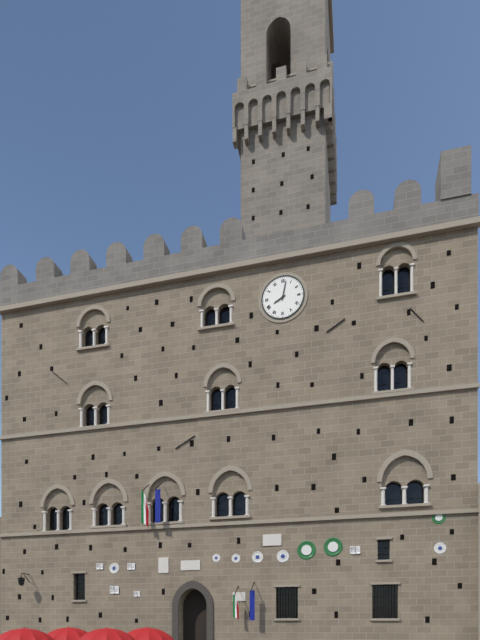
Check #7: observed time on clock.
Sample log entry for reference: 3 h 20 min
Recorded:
8 h 02 min
